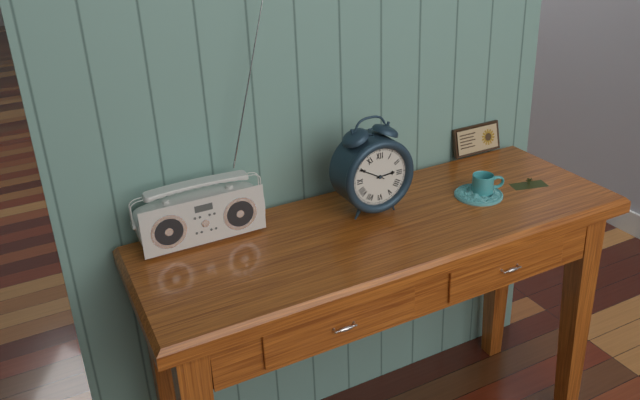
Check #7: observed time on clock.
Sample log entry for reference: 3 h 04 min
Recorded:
2 h 50 min
